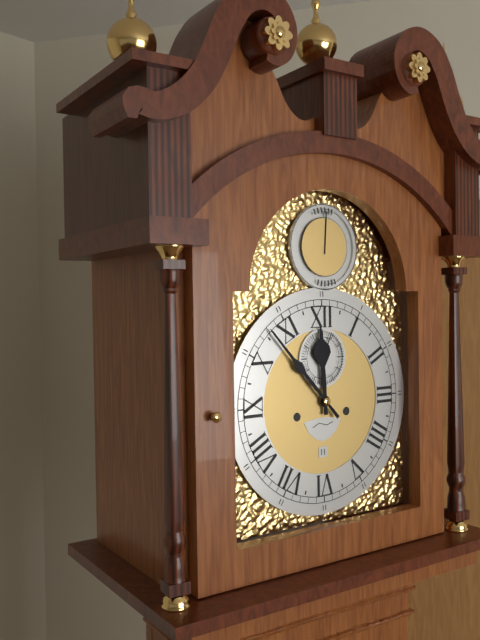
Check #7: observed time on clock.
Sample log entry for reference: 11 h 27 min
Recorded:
11 h 53 min
